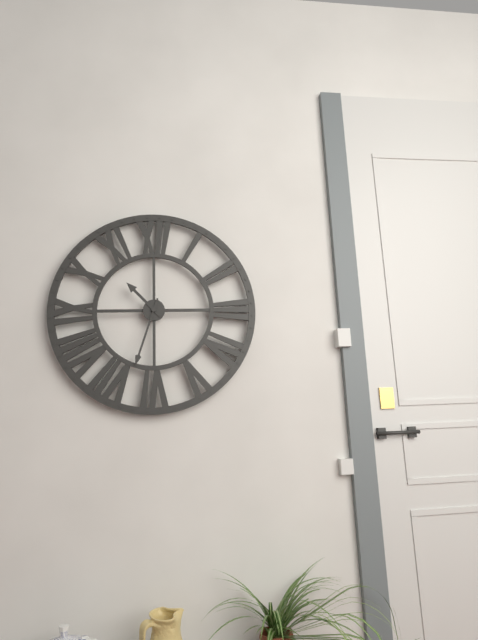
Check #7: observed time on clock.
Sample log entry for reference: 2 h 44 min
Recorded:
10 h 33 min
